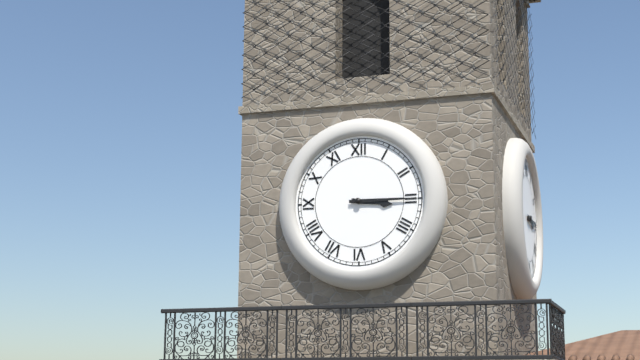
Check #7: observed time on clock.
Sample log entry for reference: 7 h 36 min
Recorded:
3 h 15 min
